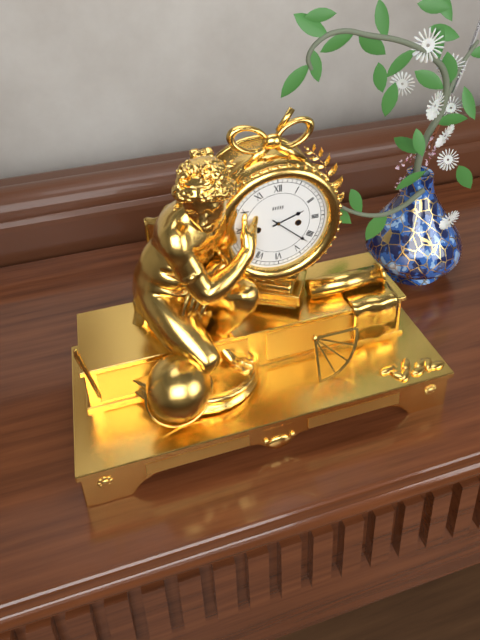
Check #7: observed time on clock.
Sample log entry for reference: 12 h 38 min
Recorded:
2 h 22 min
